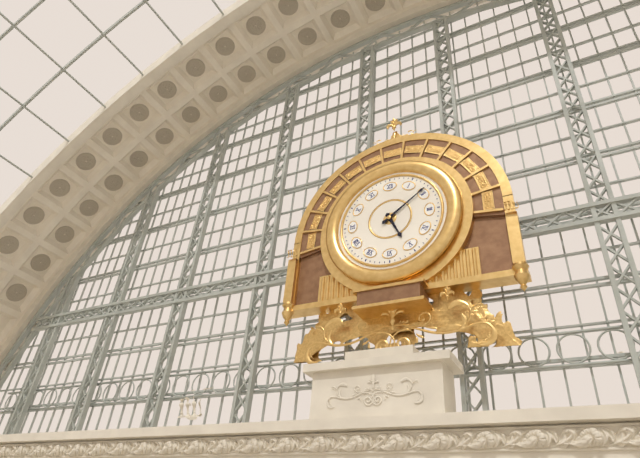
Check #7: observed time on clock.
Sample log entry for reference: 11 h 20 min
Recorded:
5 h 09 min
